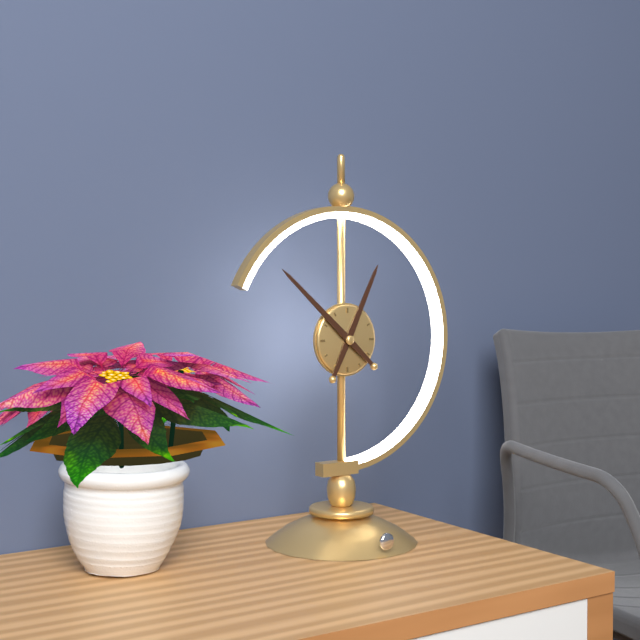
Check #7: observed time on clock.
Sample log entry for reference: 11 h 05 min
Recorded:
12 h 52 min
